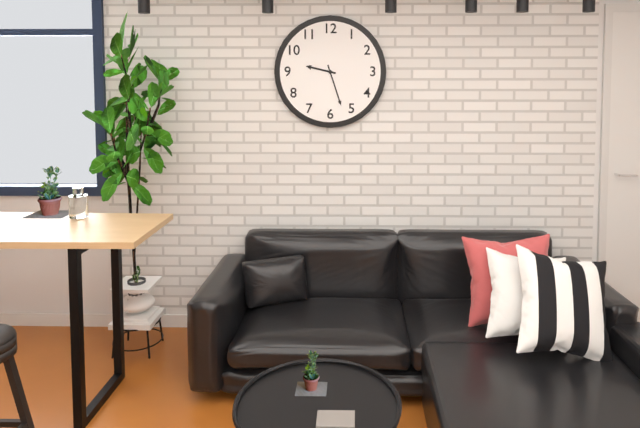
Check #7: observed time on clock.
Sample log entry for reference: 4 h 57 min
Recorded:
9 h 27 min
